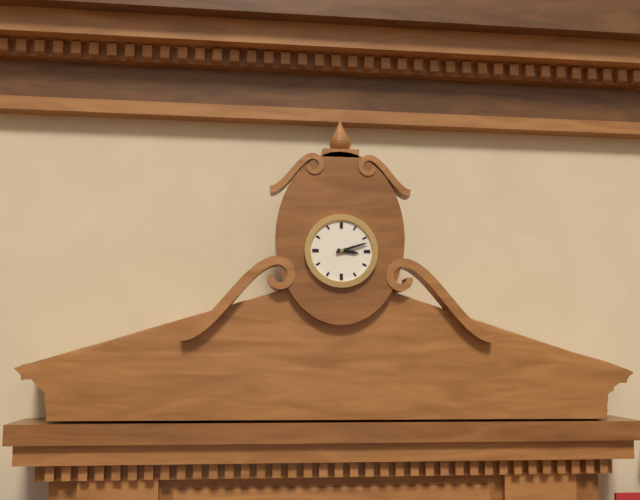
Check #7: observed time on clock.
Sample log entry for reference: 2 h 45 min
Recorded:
3 h 12 min
